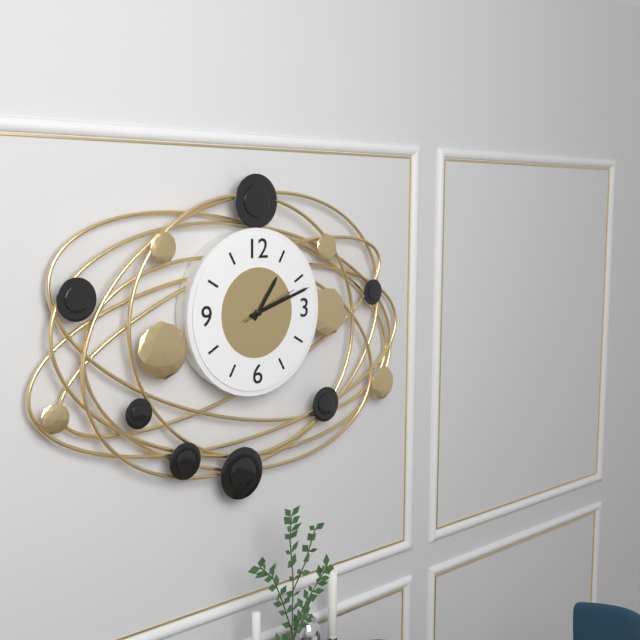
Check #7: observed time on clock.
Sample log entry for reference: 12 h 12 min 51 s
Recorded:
1 h 12 min 11 s
